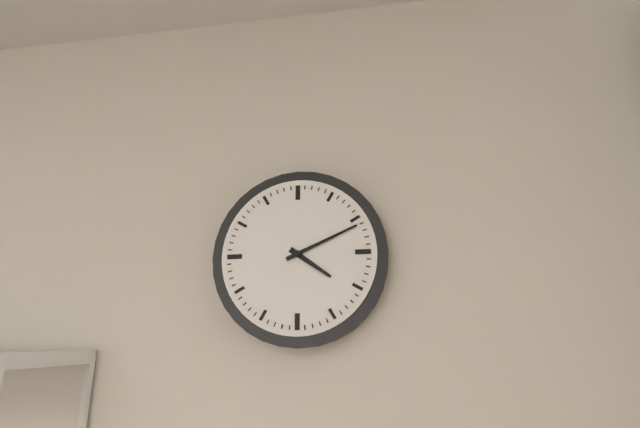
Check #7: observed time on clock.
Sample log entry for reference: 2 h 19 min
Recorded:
4 h 11 min
